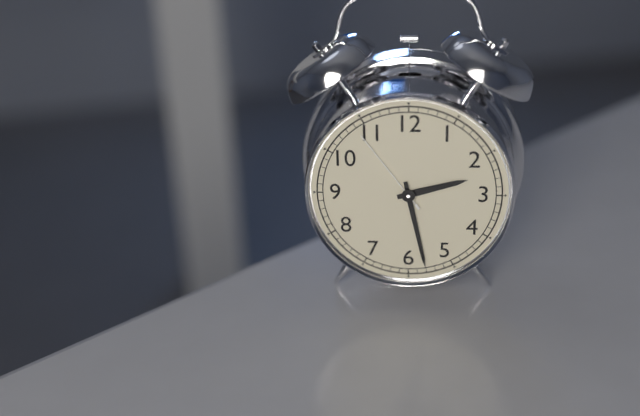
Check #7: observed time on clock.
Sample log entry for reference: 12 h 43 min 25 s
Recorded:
2 h 28 min 54 s
